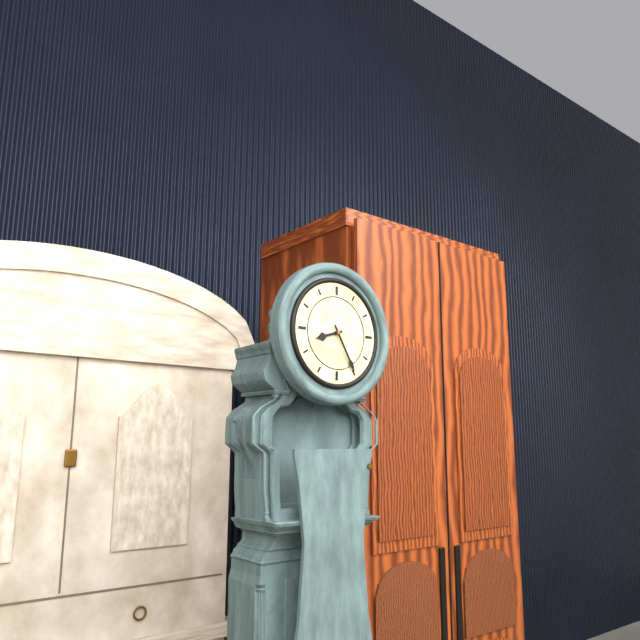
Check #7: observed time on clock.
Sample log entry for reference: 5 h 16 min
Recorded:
8 h 25 min
